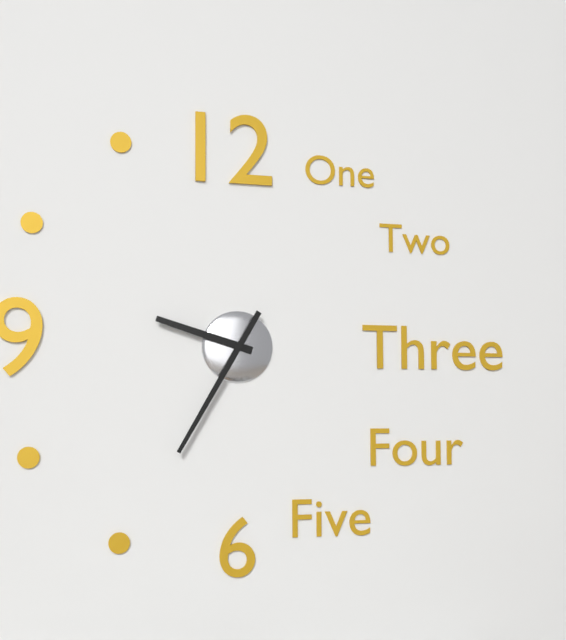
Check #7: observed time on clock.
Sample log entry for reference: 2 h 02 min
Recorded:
9 h 35 min
